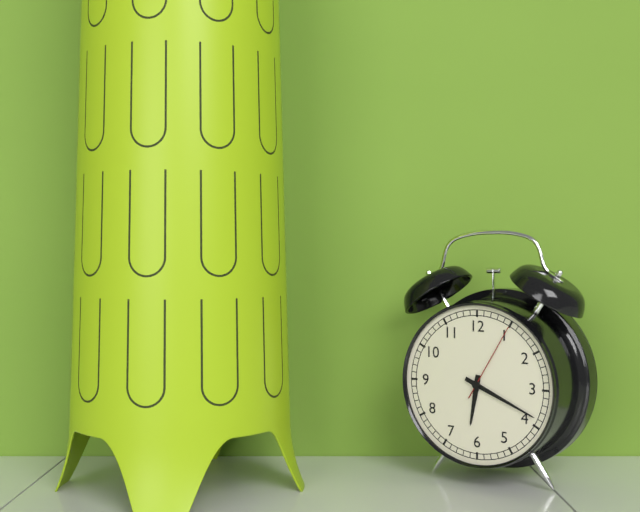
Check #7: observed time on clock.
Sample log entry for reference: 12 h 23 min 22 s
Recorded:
6 h 19 min 05 s
